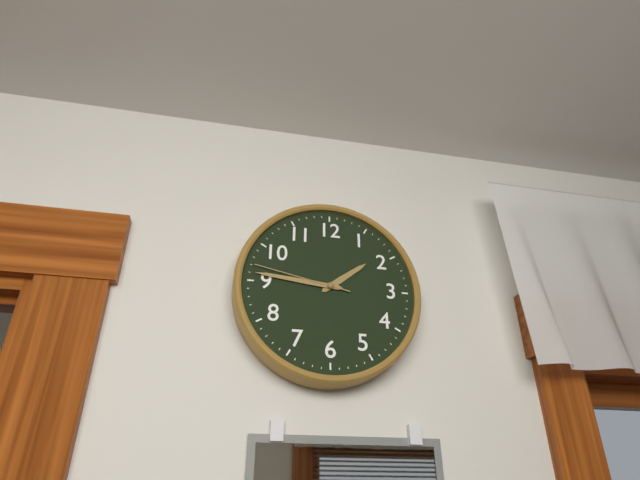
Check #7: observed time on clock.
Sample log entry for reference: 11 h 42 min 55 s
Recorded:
1 h 46 min 47 s
